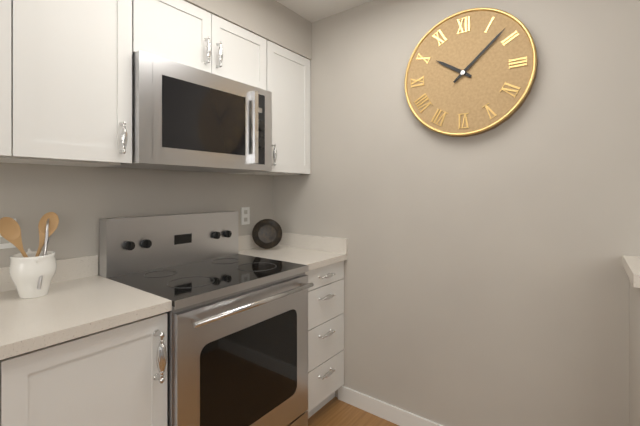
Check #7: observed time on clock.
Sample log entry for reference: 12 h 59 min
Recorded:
10 h 08 min
